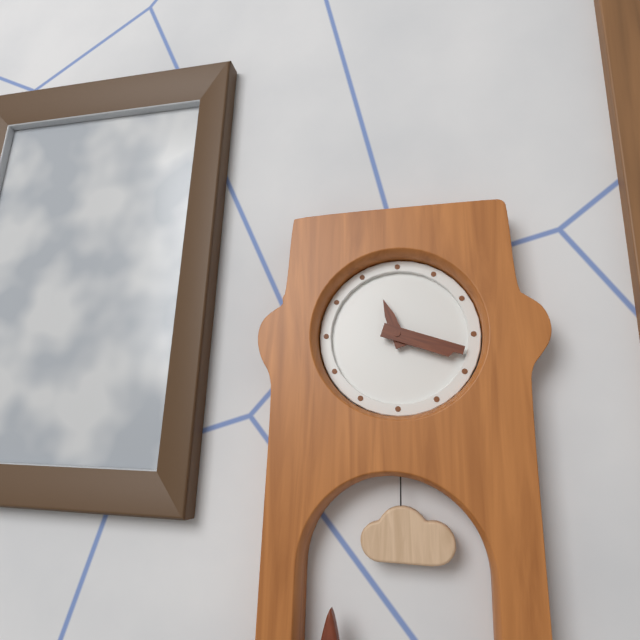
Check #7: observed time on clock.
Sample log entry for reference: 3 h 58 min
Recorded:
11 h 18 min
